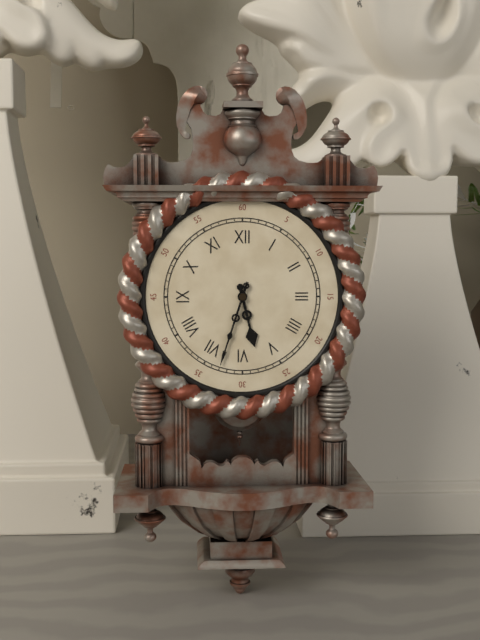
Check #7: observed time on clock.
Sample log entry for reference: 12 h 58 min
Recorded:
5 h 33 min
